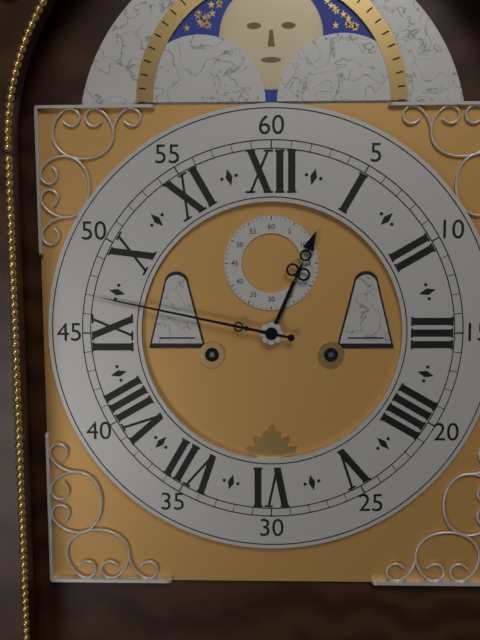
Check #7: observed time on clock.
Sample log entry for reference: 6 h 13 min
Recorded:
12 h 47 min
